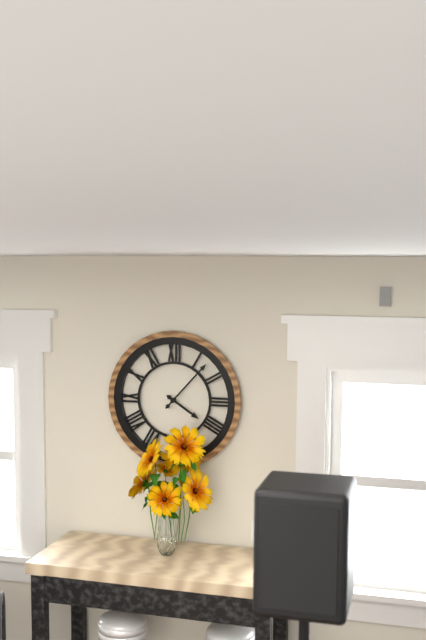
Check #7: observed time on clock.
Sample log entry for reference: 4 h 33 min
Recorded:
4 h 07 min
